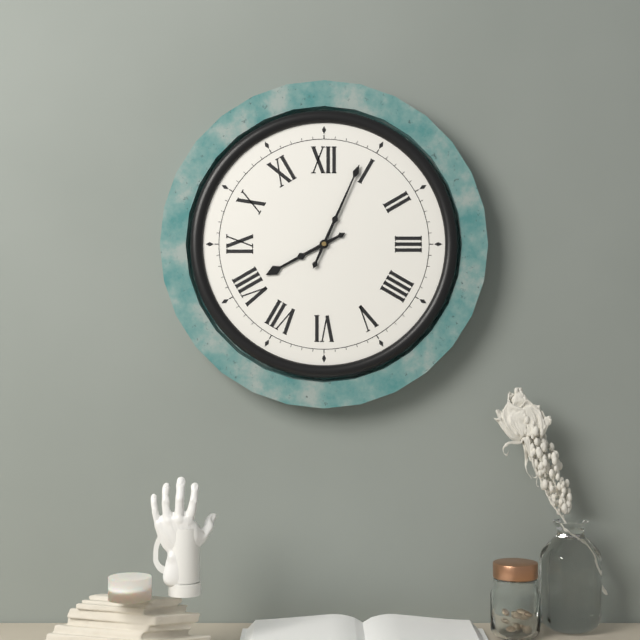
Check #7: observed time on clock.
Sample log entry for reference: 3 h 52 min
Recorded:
8 h 04 min
